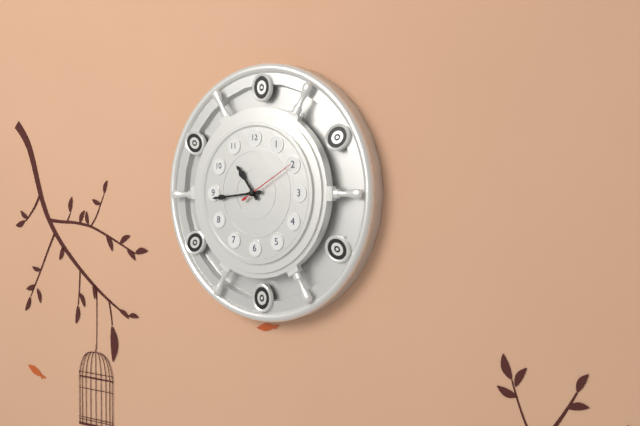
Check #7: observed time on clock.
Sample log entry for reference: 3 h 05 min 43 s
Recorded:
10 h 44 min 10 s
